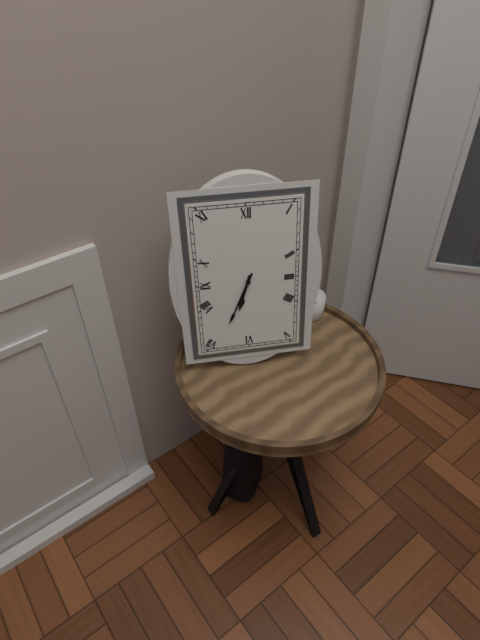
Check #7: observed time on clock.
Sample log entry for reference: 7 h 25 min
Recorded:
6 h 34 min
